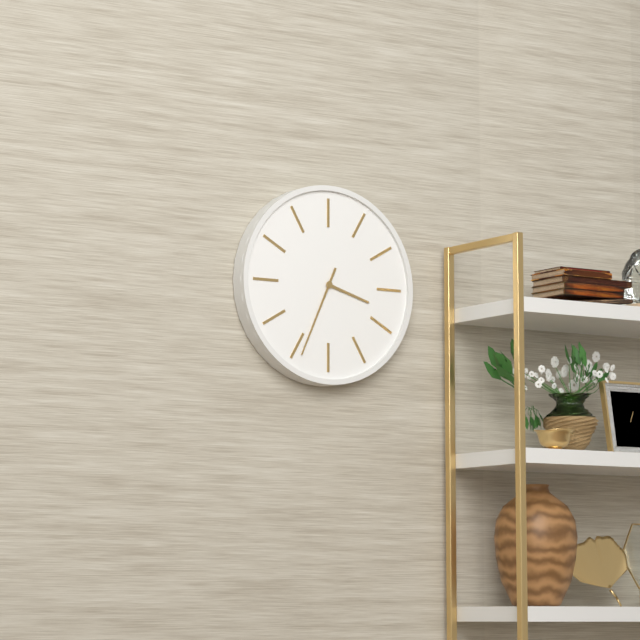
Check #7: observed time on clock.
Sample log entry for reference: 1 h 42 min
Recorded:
3 h 34 min
